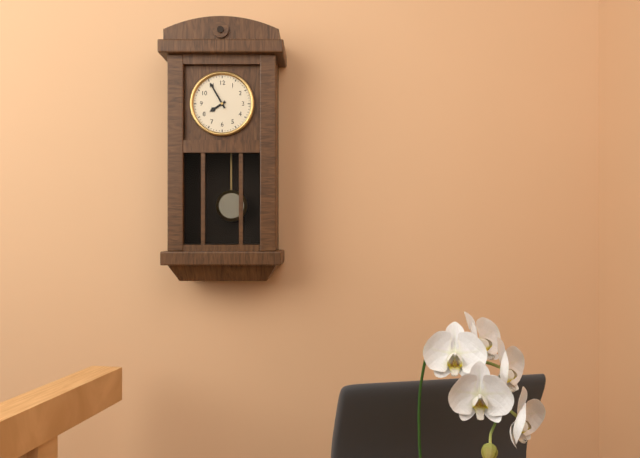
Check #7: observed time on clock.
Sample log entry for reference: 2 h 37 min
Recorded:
7 h 55 min
